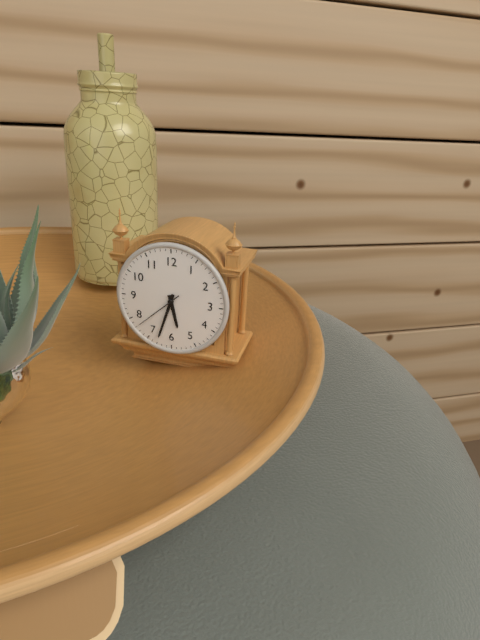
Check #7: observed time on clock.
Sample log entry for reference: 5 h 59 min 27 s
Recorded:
5 h 33 min 38 s
